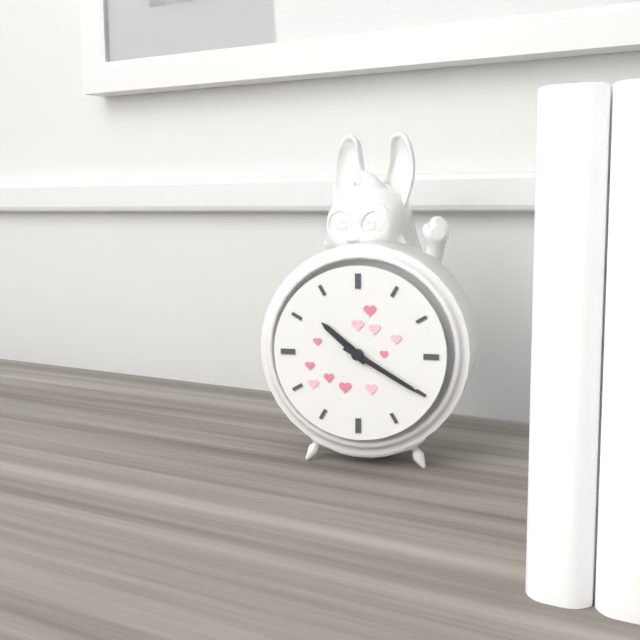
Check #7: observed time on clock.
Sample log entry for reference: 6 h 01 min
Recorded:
10 h 20 min
